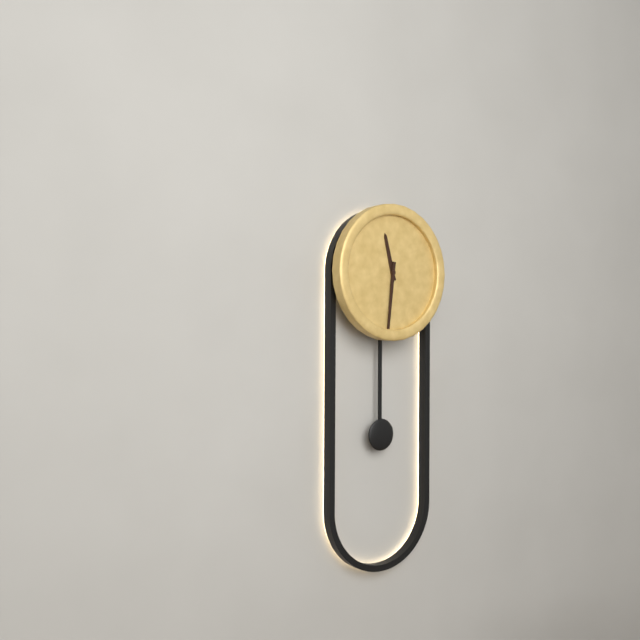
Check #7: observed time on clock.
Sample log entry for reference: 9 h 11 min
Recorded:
11 h 31 min
